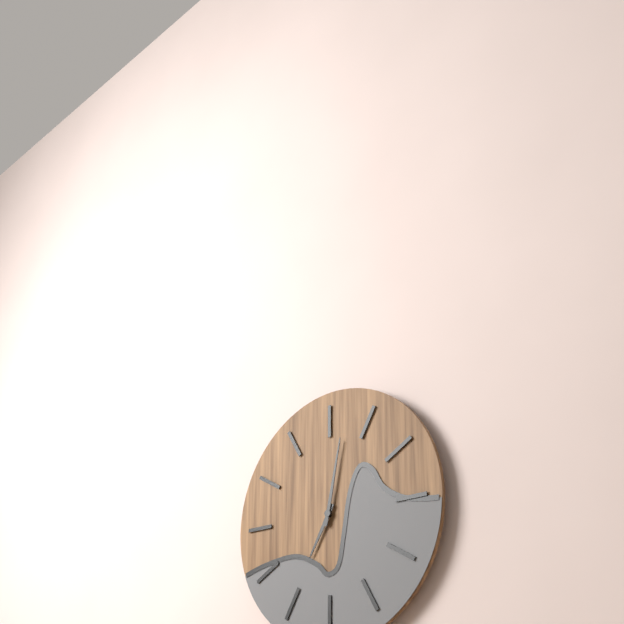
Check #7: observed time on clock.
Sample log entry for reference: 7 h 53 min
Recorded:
7 h 02 min
